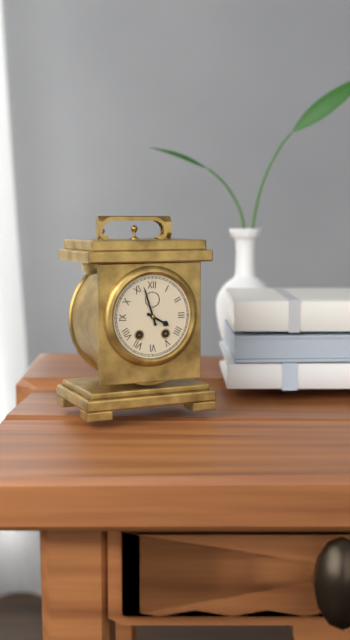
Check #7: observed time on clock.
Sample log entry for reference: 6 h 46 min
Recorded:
3 h 57 min
